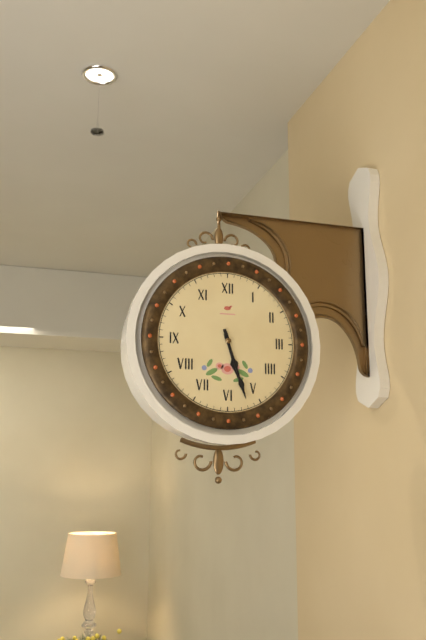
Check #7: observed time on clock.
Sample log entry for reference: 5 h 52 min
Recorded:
5 h 27 min
